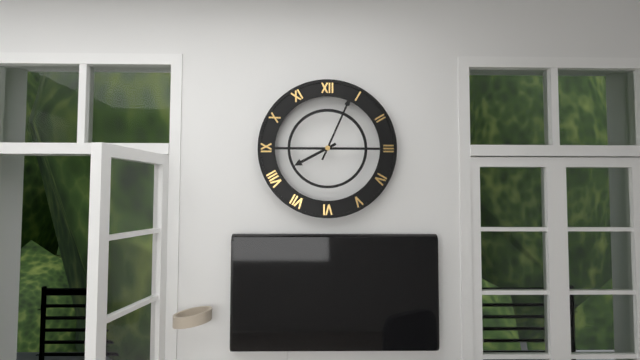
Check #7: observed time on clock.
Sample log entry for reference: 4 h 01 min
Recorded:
8 h 04 min
